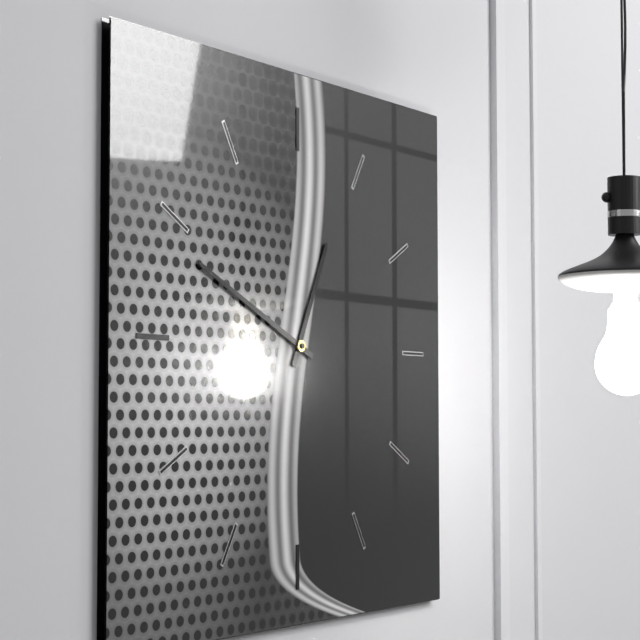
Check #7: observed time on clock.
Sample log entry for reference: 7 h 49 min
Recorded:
12 h 49 min
